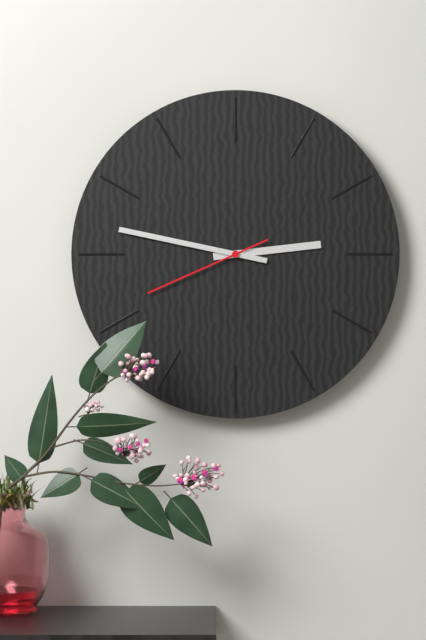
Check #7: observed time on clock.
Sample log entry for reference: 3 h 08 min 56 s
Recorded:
2 h 47 min 41 s
